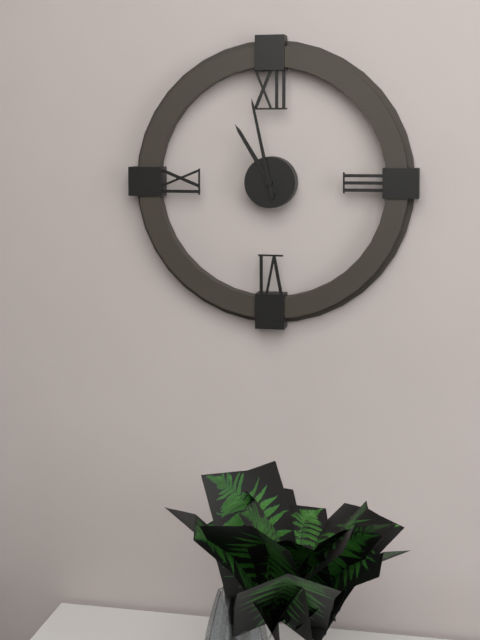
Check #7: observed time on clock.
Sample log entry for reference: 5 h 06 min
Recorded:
10 h 58 min
